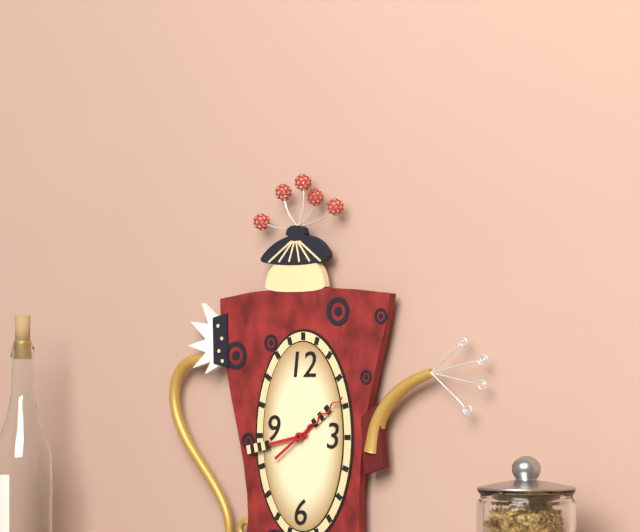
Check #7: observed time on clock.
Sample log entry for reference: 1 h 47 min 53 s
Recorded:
1 h 43 min 09 s
